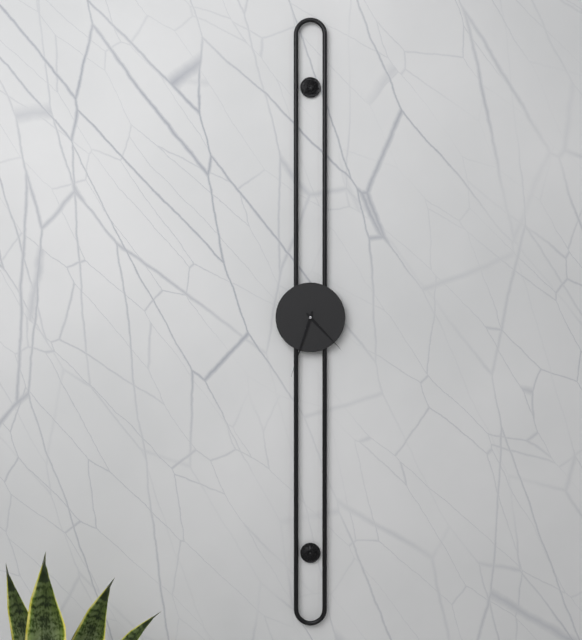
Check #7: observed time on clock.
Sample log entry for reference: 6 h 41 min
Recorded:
4 h 33 min
